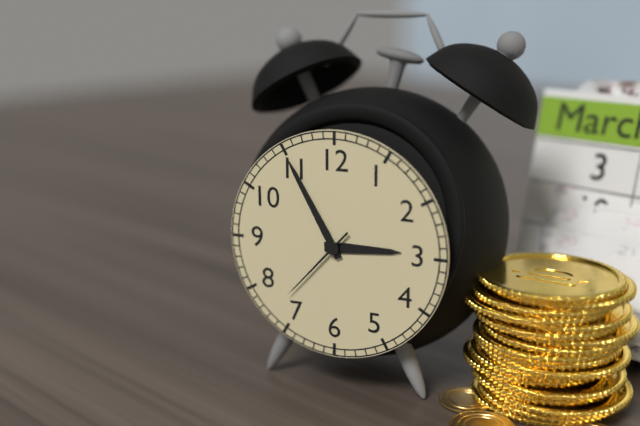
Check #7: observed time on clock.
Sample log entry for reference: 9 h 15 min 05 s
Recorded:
2 h 55 min 37 s
